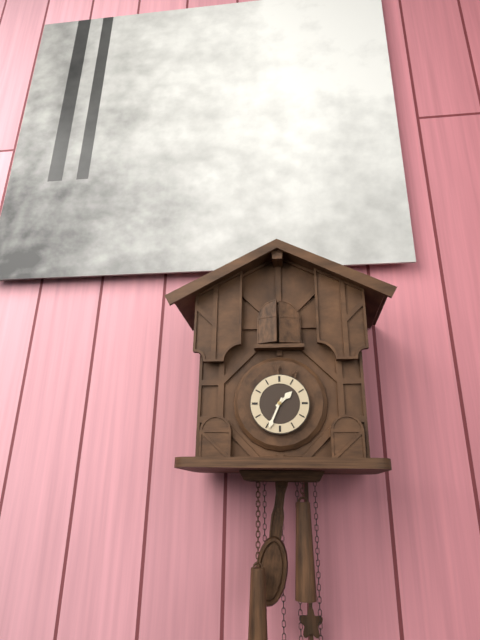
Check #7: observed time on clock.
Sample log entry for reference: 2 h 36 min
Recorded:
1 h 34 min
